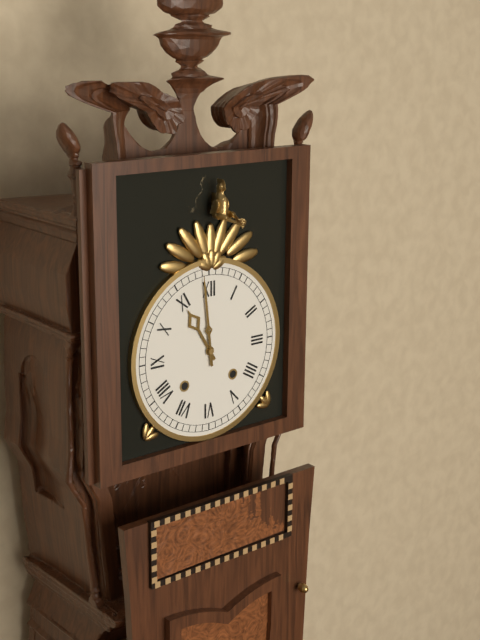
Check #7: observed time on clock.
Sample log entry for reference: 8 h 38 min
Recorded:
10 h 59 min
